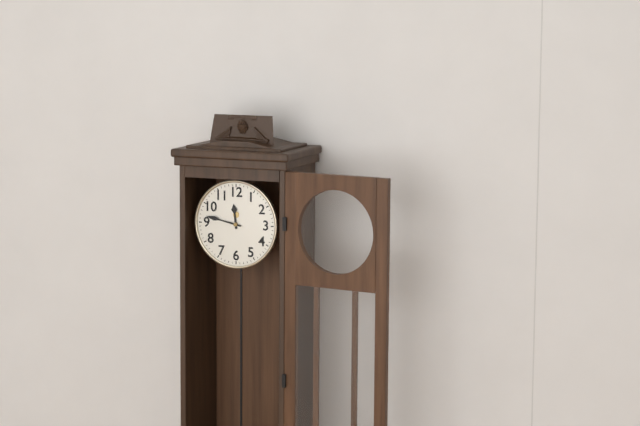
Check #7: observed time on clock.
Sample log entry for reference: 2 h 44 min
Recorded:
11 h 47 min
